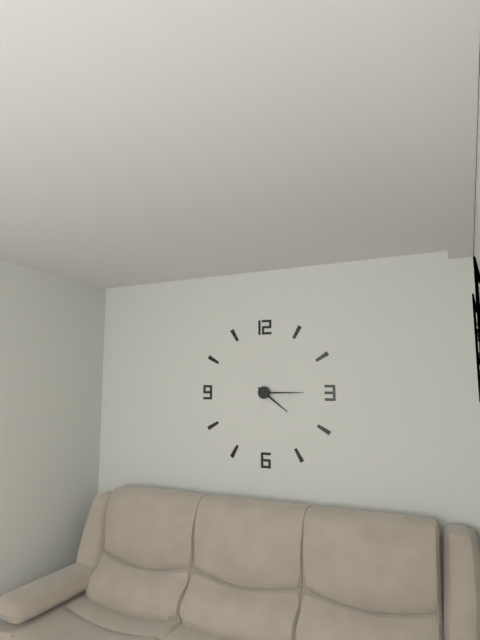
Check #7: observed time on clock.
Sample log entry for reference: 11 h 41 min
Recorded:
4 h 15 min
